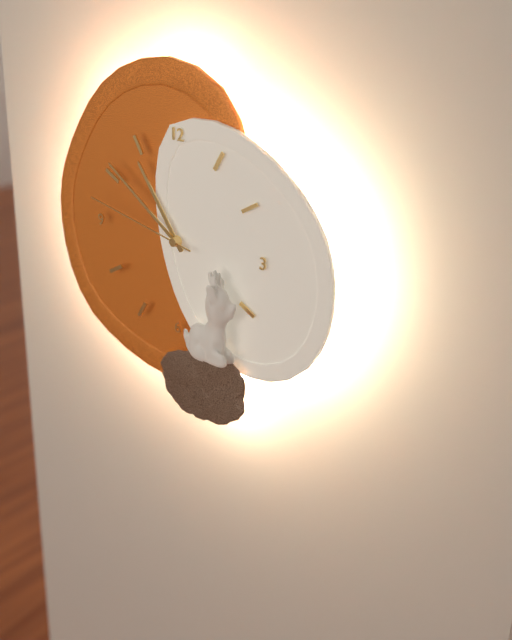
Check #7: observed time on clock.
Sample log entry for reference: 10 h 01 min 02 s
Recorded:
10 h 51 min 47 s
